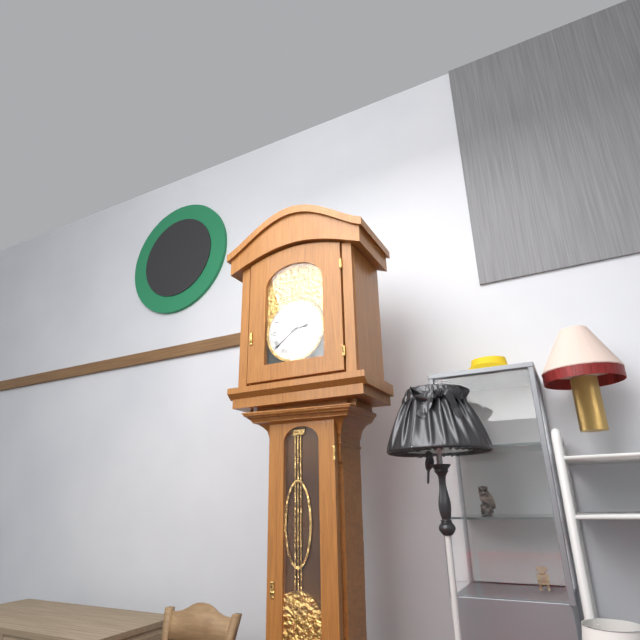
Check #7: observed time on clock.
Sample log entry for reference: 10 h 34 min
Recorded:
2 h 39 min
